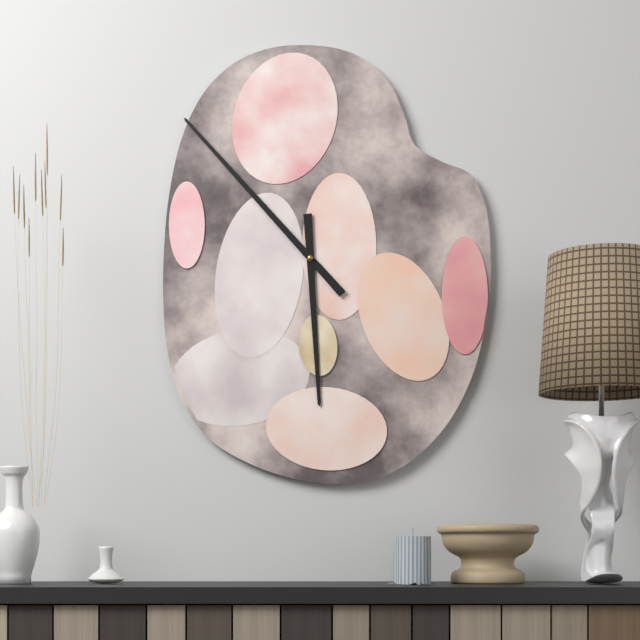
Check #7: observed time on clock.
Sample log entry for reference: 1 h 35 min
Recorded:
5 h 53 min
